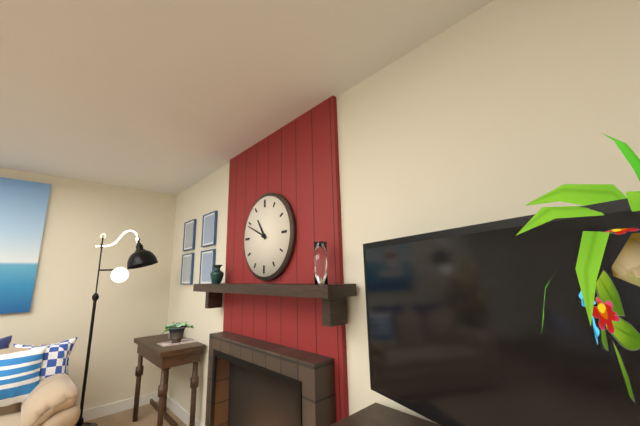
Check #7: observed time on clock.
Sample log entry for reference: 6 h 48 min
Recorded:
10 h 49 min
